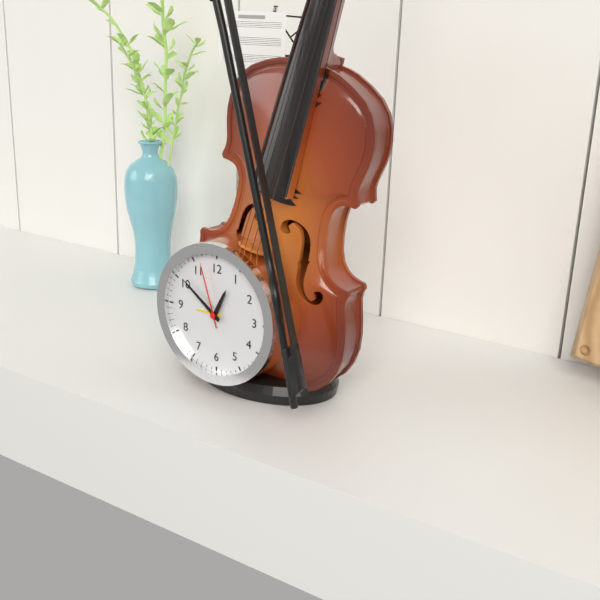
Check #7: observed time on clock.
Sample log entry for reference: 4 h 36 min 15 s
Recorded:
12 h 51 min 57 s
